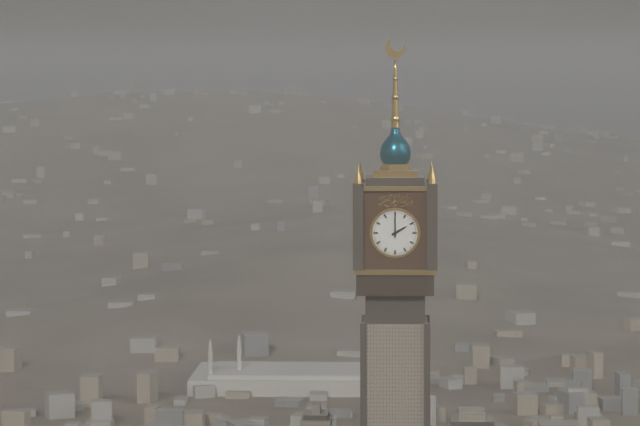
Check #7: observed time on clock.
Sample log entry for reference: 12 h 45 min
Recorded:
2 h 00 min
